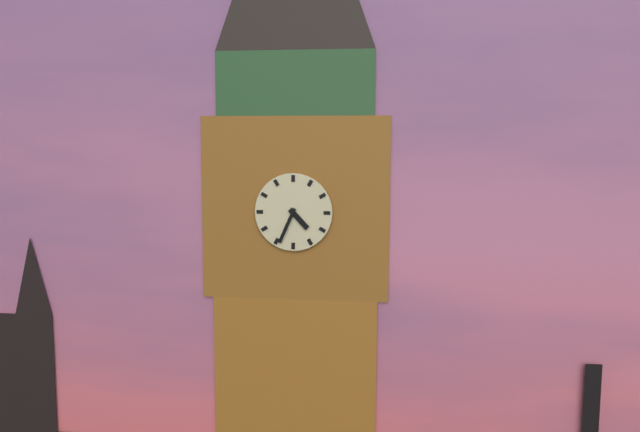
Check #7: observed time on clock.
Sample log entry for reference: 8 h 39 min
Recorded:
4 h 34 min
